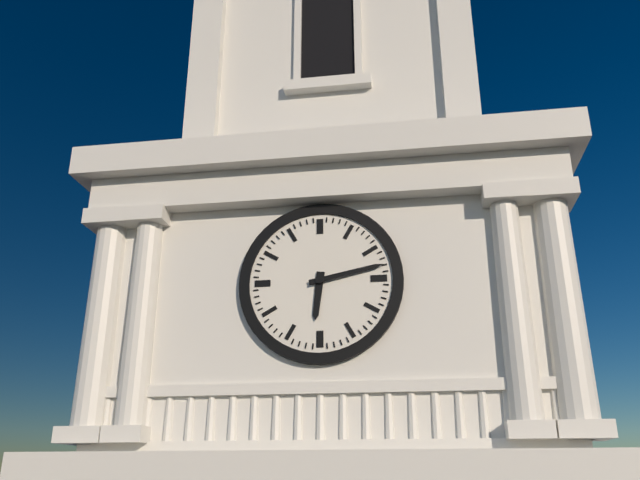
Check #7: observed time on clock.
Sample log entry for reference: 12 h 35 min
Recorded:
6 h 13 min
